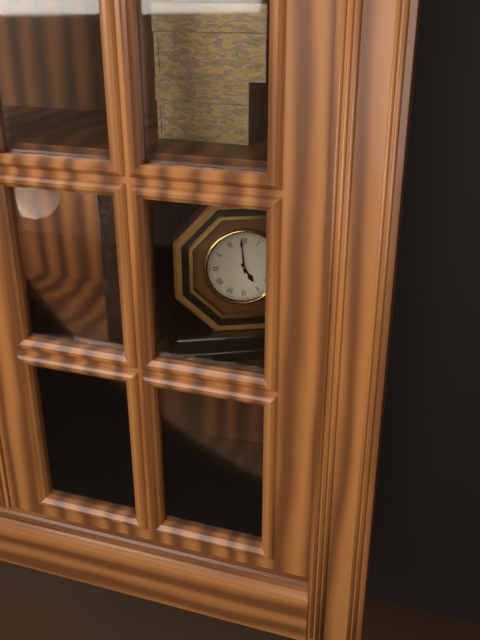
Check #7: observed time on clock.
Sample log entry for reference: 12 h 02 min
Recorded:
4 h 59 min
